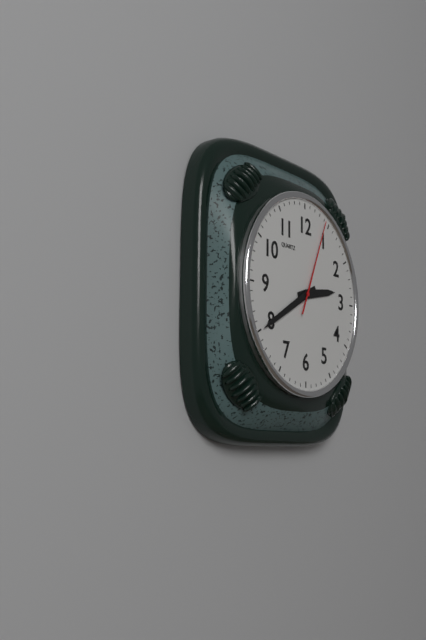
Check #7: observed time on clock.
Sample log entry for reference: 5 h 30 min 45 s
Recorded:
2 h 40 min 04 s
